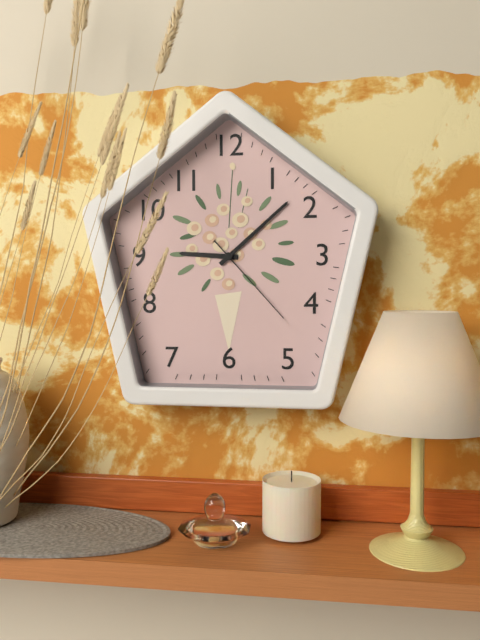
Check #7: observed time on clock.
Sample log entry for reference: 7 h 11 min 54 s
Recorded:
9 h 08 min 23 s
